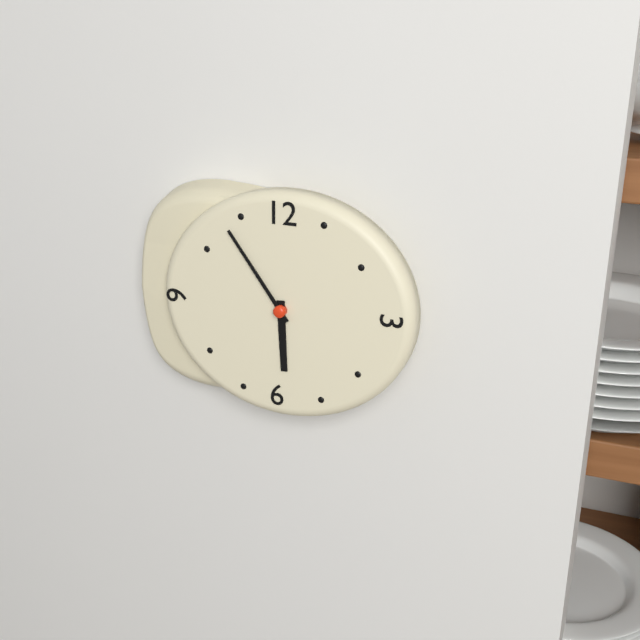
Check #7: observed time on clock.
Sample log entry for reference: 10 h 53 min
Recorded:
5 h 54 min
